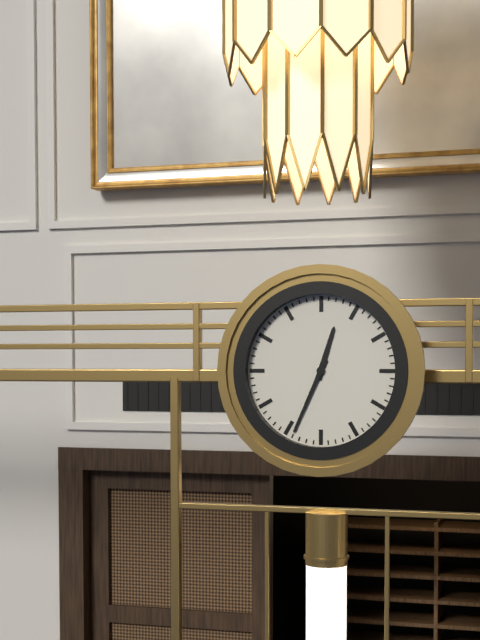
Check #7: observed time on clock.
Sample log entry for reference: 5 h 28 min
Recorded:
12 h 34 min
